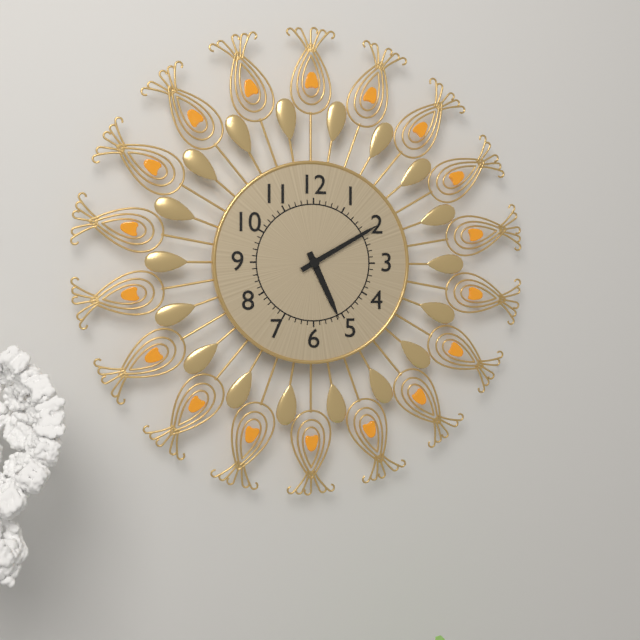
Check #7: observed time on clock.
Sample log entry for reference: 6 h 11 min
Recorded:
5 h 10 min
